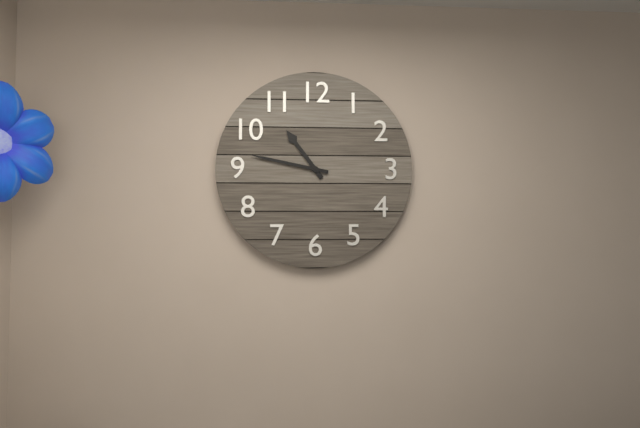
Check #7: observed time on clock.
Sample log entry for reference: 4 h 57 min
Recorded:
10 h 47 min
